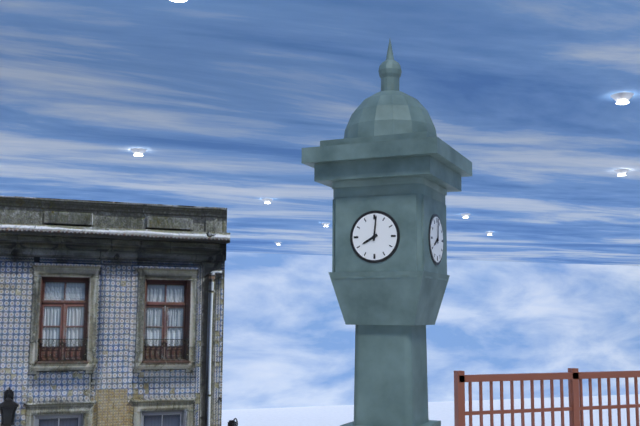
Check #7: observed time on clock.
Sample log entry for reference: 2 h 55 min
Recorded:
8 h 01 min
